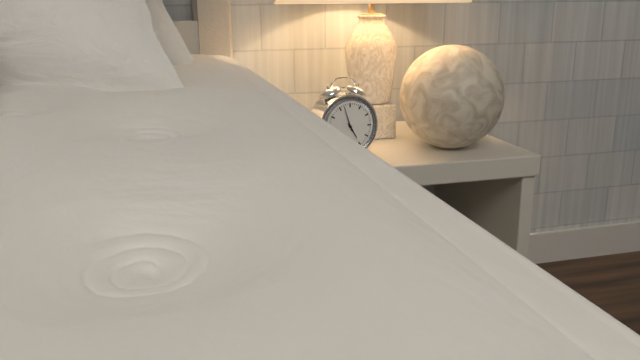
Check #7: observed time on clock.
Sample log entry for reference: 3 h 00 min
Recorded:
4 h 57 min
